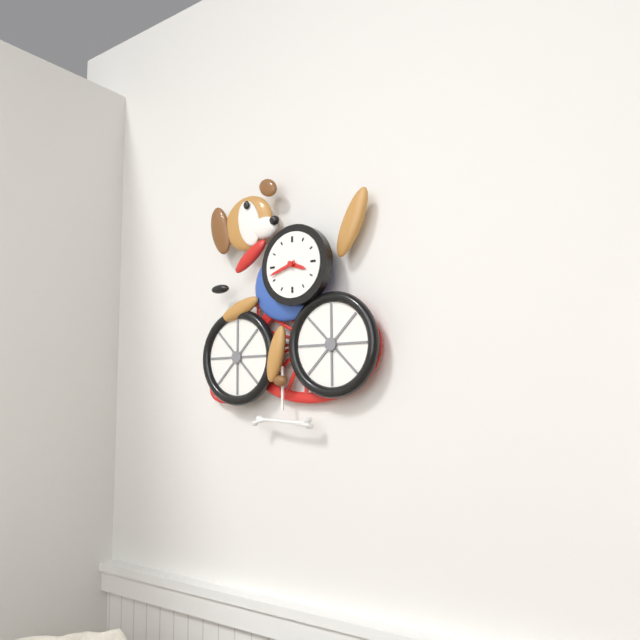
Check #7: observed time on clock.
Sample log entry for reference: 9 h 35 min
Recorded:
3 h 42 min
